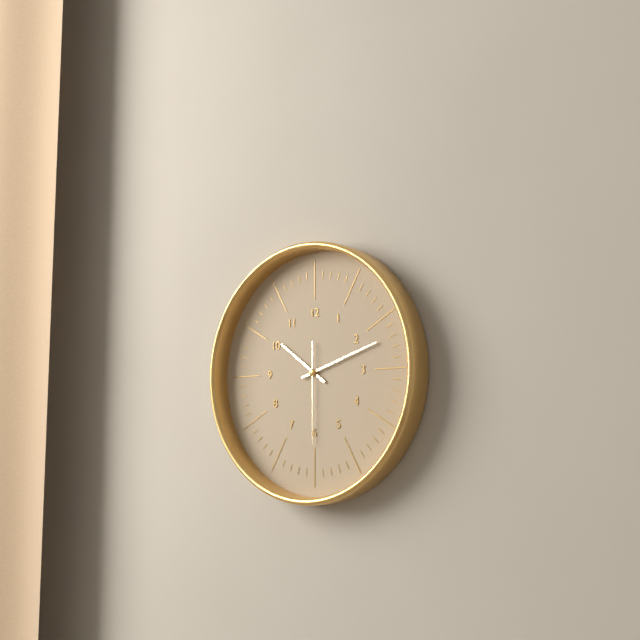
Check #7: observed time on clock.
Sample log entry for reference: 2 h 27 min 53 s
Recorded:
10 h 12 min 30 s
